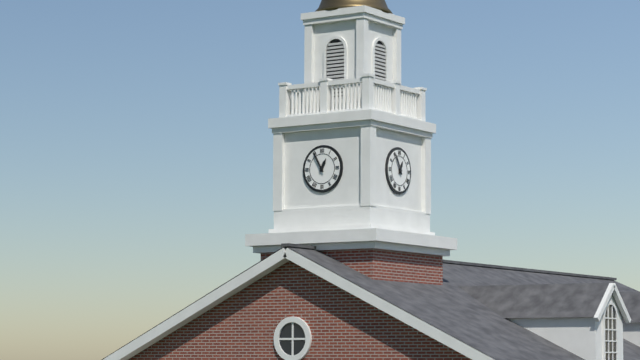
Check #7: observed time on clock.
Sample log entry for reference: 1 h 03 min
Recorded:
12 h 55 min
